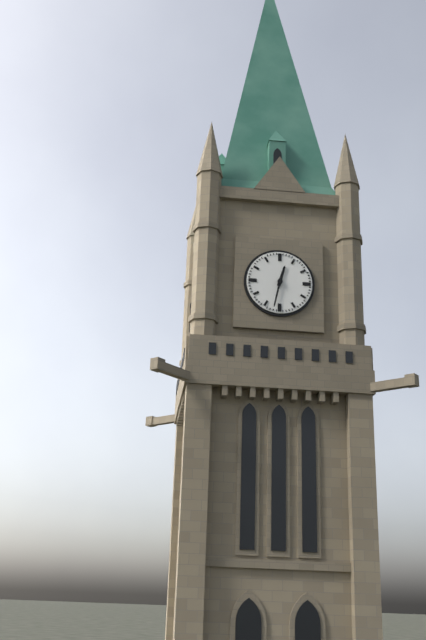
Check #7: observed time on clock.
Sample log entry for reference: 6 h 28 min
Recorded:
12 h 32 min
